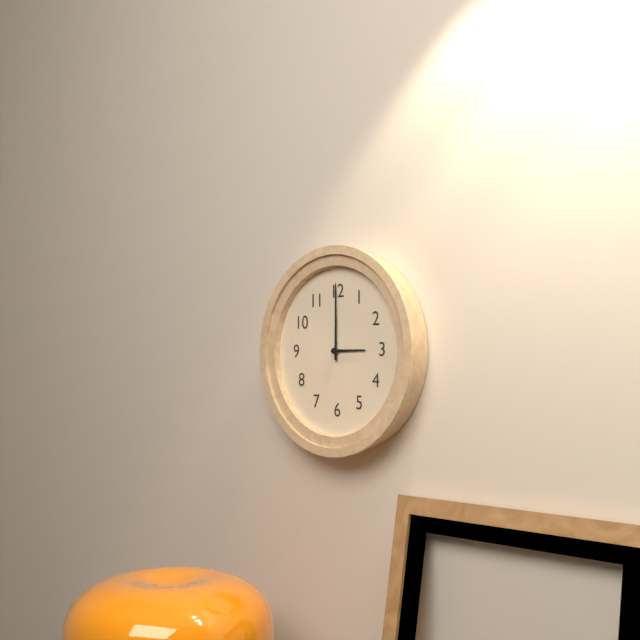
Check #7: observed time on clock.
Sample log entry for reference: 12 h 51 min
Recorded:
3 h 00 min
